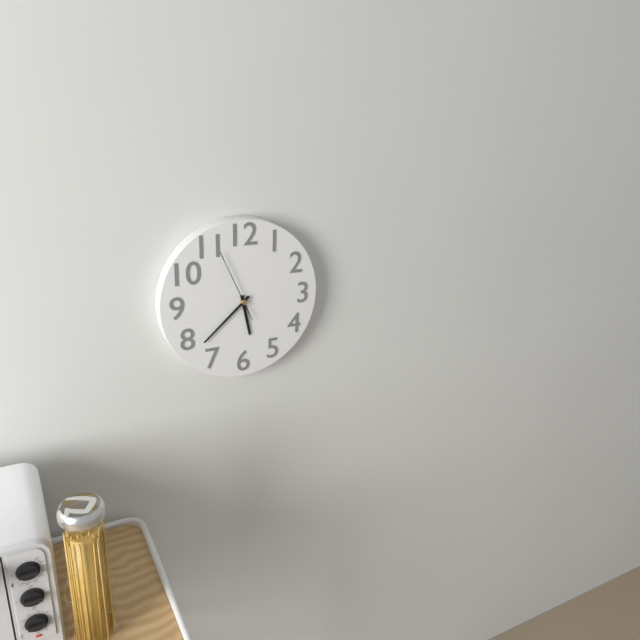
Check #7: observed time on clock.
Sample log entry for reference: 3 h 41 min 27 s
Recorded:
5 h 38 min 56 s
